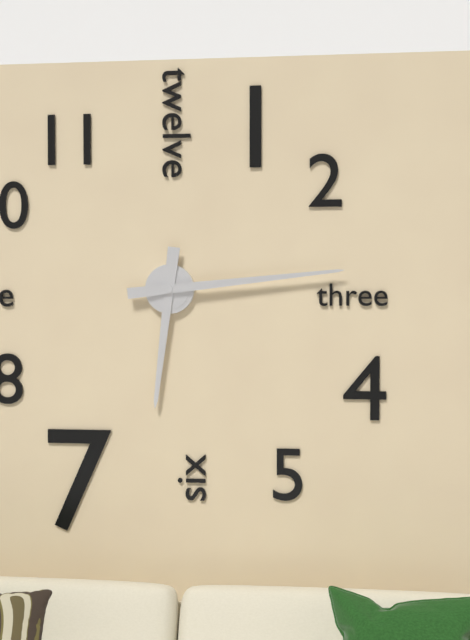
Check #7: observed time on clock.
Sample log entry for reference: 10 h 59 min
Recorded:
6 h 14 min
